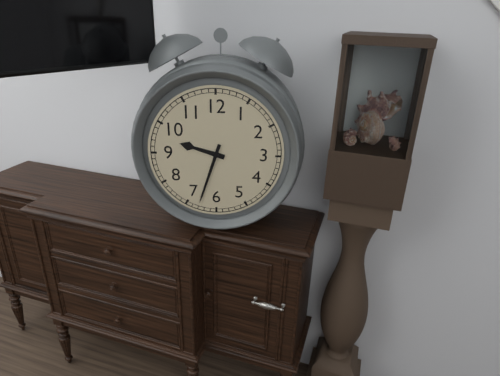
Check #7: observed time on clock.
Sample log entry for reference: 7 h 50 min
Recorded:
9 h 33 min
